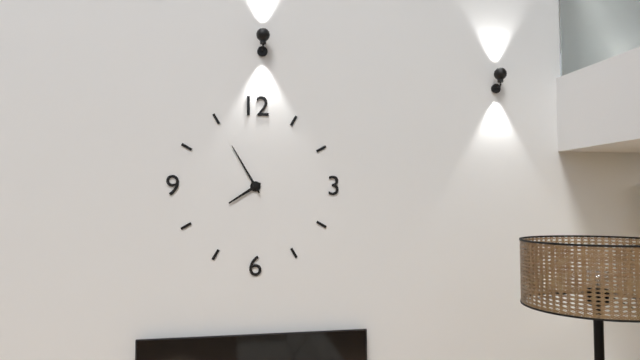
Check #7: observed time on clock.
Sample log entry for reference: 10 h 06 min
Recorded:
7 h 55 min
